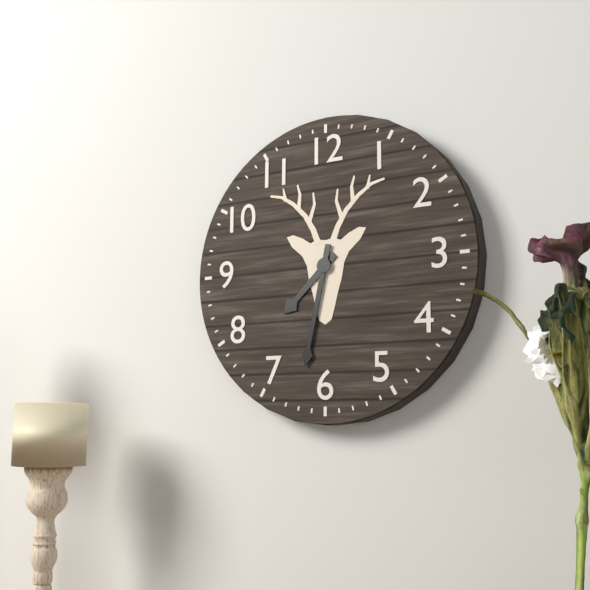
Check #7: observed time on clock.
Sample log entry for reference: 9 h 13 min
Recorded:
7 h 32 min
